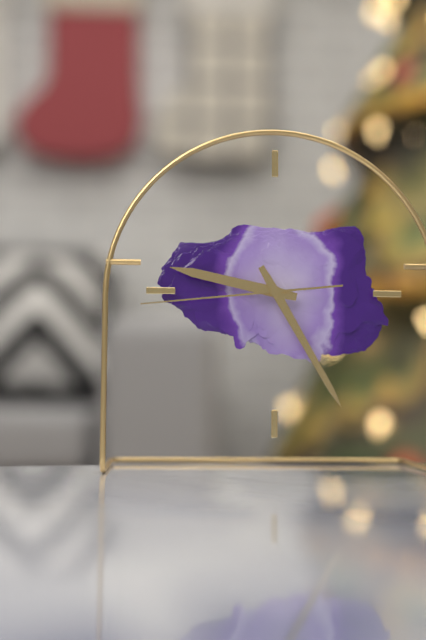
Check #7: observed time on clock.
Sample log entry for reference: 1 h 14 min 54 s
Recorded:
9 h 25 min 44 s
